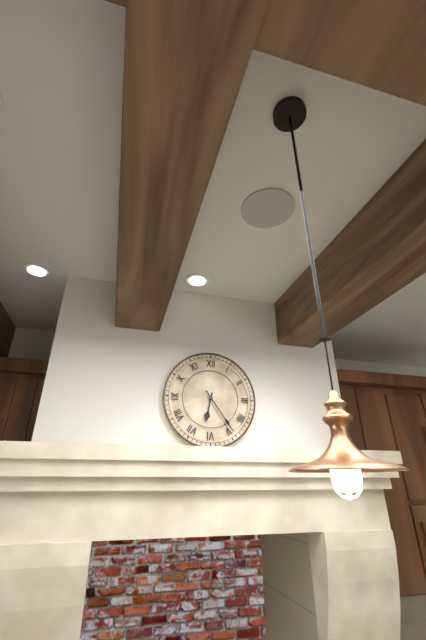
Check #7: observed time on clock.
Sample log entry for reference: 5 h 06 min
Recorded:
6 h 24 min
